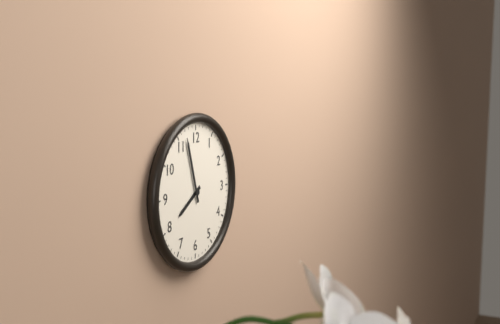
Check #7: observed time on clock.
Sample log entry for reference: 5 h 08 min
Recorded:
7 h 57 min
